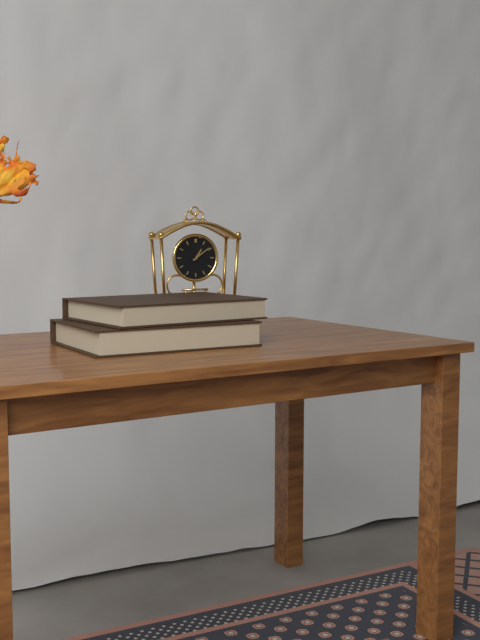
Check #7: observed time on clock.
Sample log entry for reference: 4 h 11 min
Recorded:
1 h 09 min
